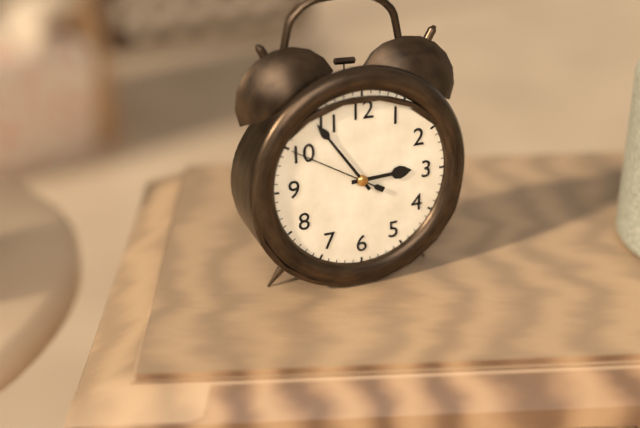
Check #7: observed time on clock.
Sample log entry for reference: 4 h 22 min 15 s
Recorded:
2 h 54 min 50 s
